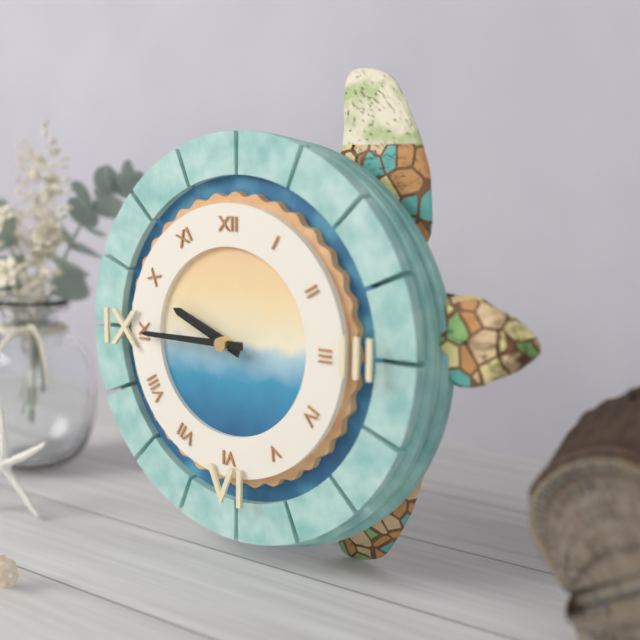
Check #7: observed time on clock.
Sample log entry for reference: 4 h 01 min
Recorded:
9 h 45 min
